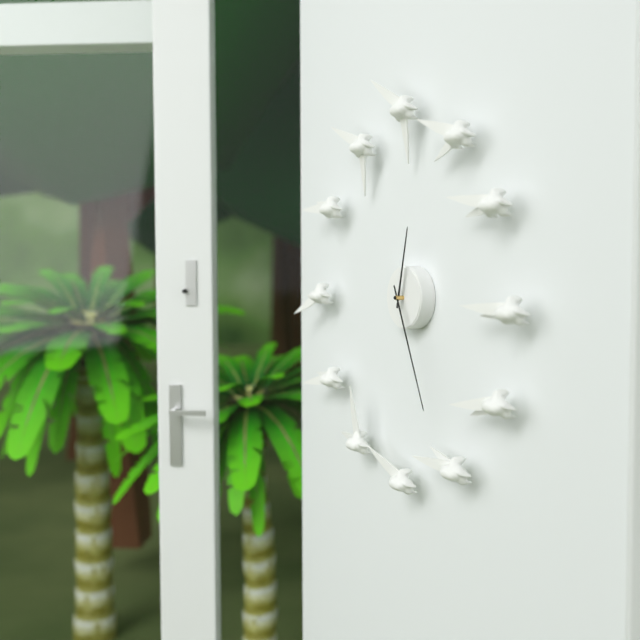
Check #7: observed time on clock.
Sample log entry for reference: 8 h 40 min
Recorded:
12 h 26 min
